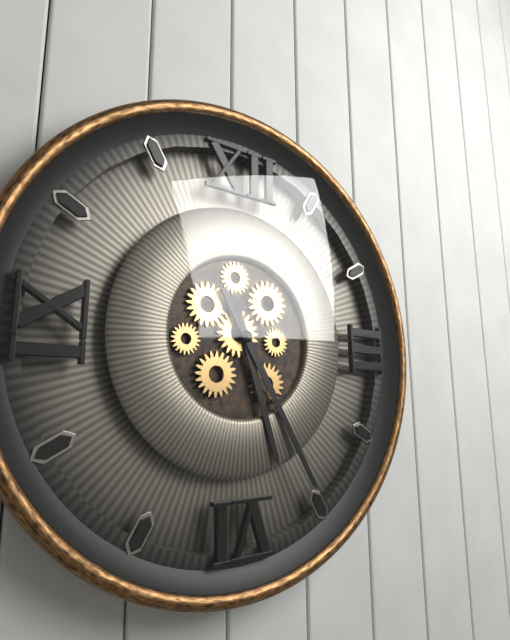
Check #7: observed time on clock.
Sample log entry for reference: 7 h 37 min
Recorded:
5 h 25 min
